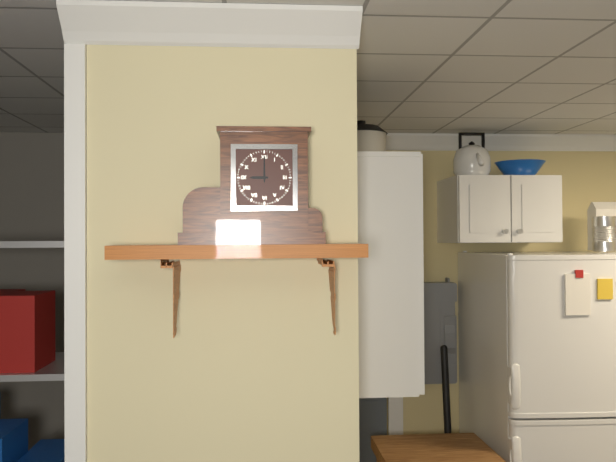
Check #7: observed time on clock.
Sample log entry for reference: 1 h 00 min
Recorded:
9 h 00 min
